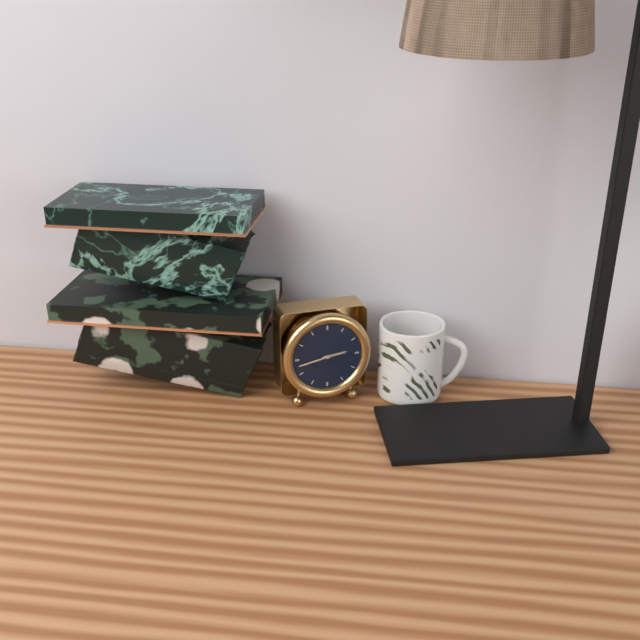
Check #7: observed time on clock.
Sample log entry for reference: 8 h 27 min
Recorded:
2 h 43 min
